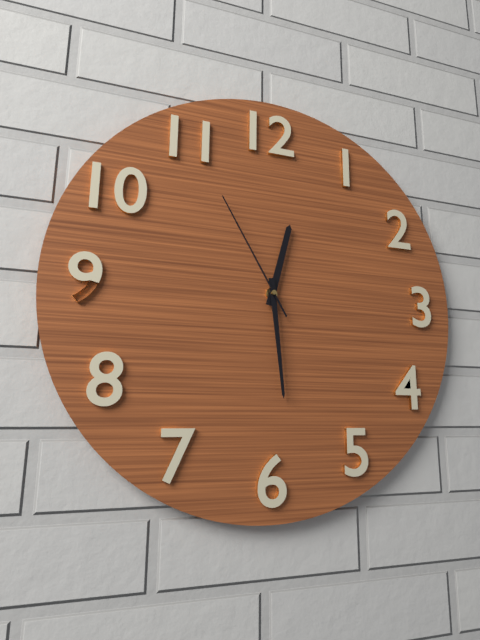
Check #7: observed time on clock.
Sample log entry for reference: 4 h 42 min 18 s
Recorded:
12 h 29 min 55 s
